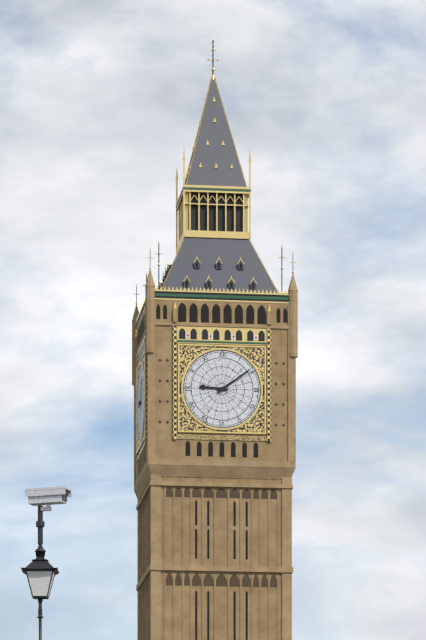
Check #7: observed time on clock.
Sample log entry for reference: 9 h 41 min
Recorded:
9 h 09 min
